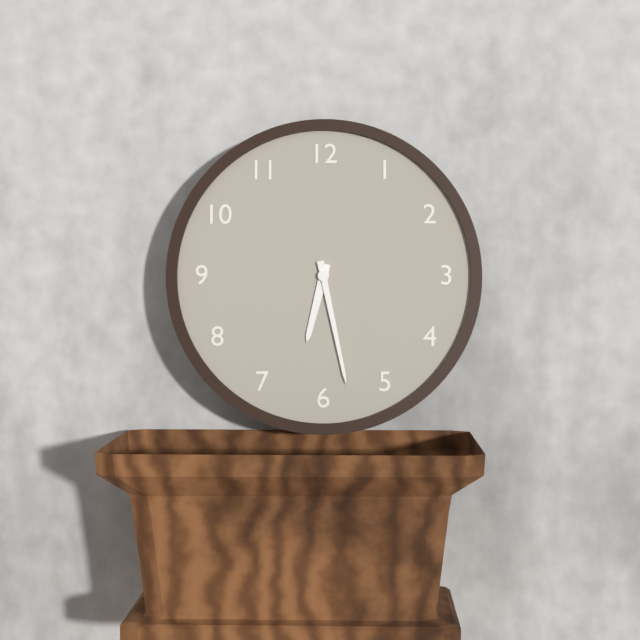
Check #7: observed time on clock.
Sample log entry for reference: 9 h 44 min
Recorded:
6 h 28 min
